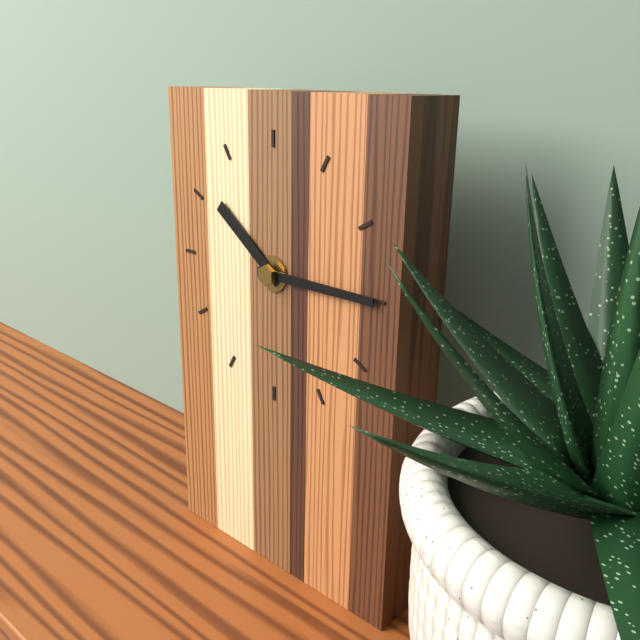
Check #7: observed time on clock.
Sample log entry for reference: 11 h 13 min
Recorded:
10 h 15 min
